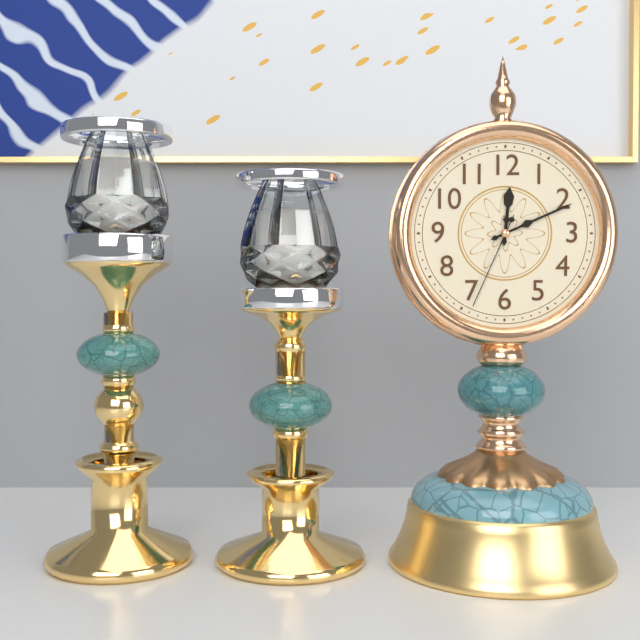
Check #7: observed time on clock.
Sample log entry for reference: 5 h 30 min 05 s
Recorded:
12 h 11 min 34 s
